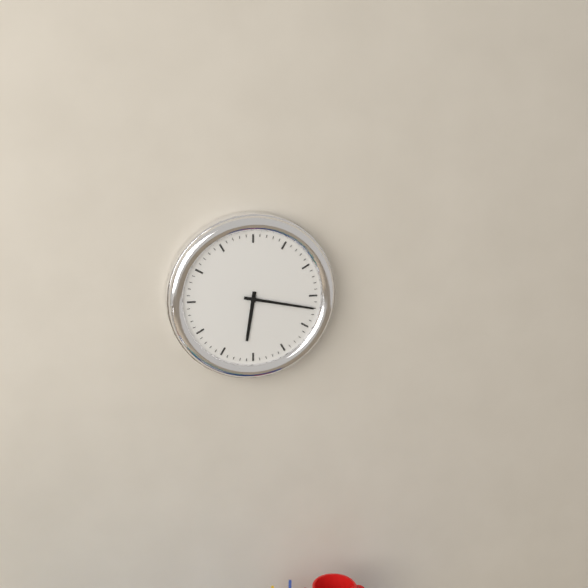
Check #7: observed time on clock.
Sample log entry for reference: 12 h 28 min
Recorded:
6 h 17 min
